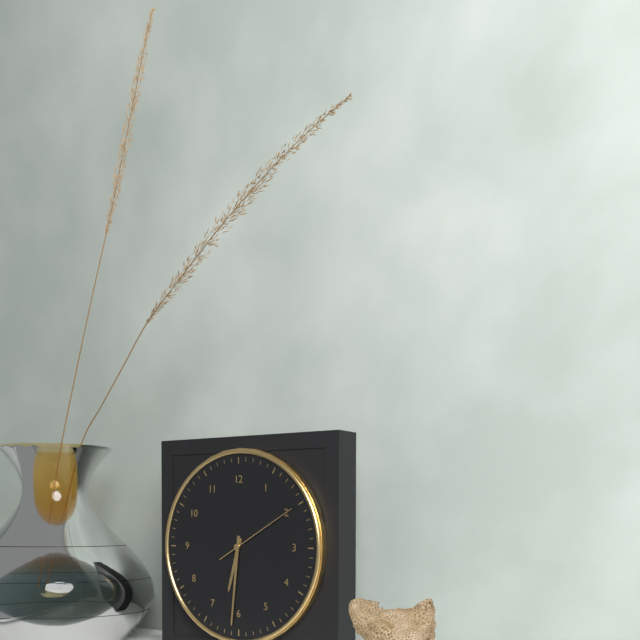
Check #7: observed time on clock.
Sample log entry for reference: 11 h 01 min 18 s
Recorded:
6 h 31 min 10 s
